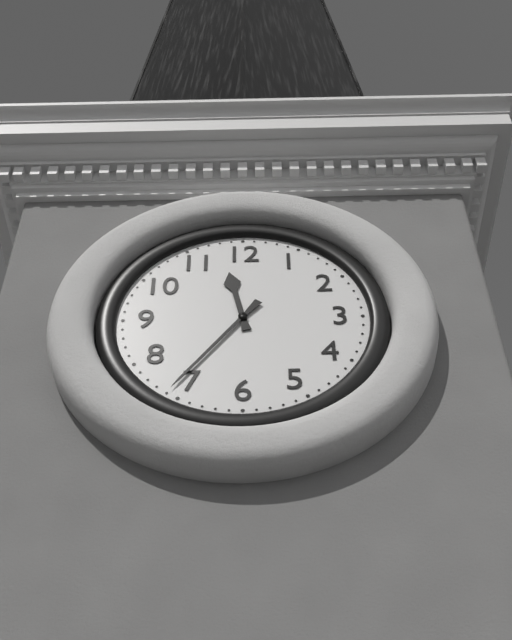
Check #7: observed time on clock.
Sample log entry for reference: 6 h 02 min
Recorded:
11 h 36 min
